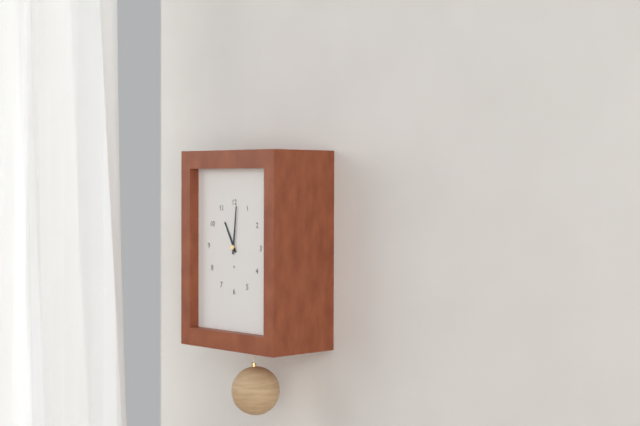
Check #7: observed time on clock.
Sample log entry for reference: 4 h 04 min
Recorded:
11 h 01 min
